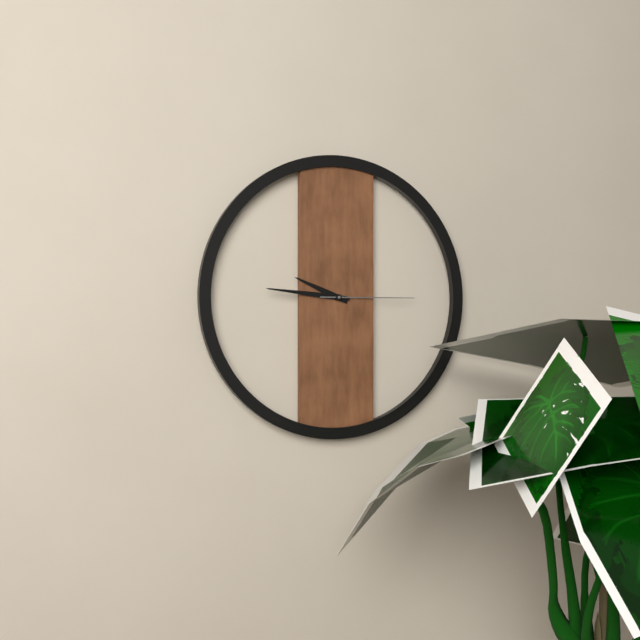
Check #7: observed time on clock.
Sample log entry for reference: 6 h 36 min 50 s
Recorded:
9 h 46 min 15 s
